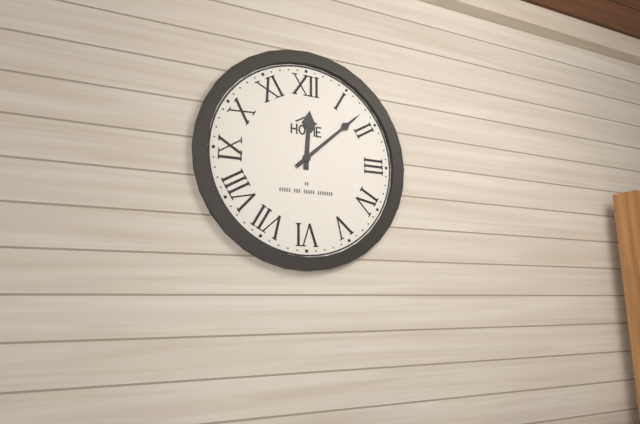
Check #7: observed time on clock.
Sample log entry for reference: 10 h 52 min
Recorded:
12 h 08 min
